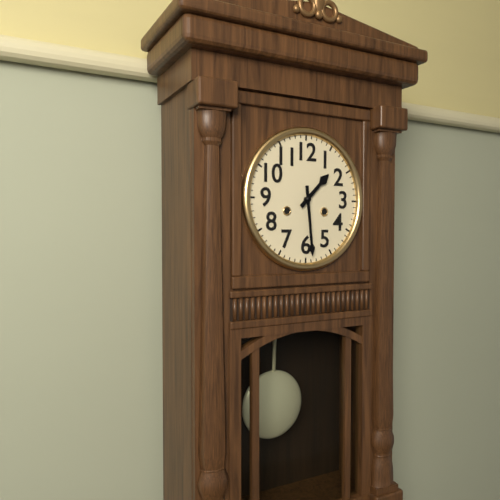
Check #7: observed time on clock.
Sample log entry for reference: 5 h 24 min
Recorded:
1 h 29 min
